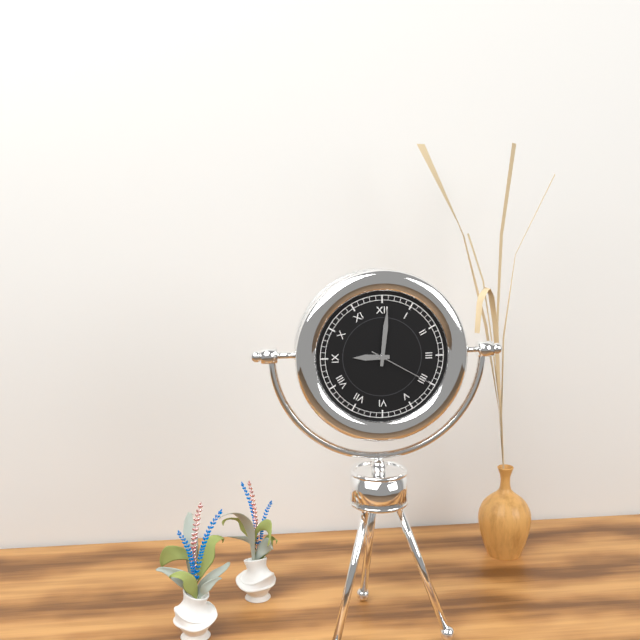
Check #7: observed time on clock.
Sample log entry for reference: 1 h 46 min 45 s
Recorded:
9 h 01 min 20 s
